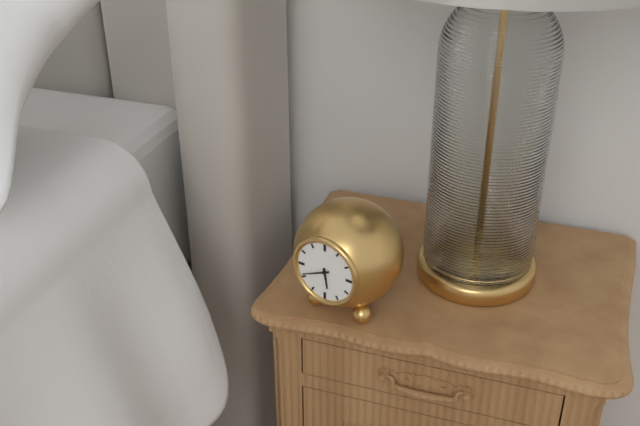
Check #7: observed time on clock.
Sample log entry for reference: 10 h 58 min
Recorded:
5 h 41 min
